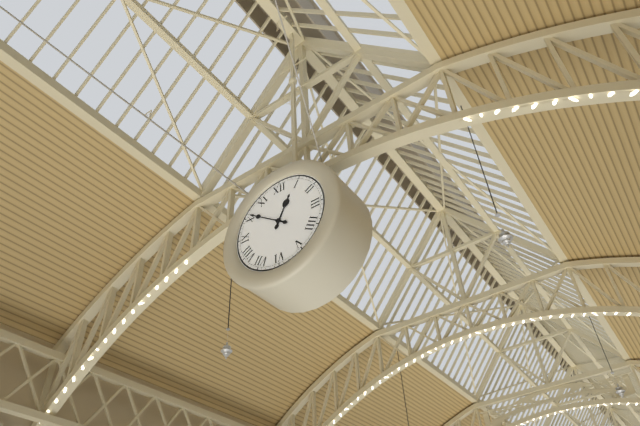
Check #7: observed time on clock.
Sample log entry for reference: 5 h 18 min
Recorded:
12 h 51 min
